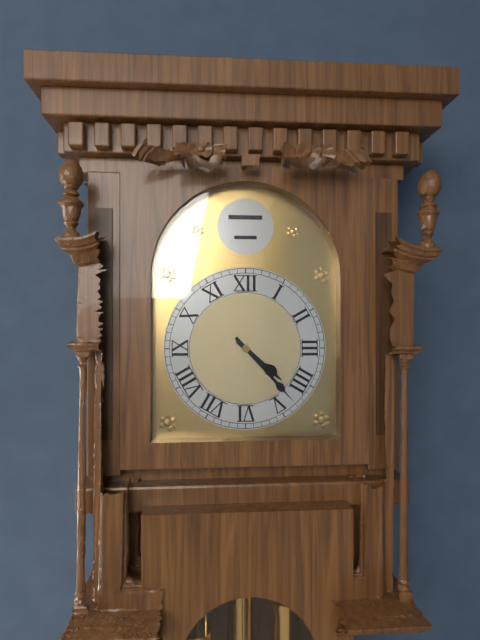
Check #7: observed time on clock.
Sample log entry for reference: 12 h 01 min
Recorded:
4 h 23 min
